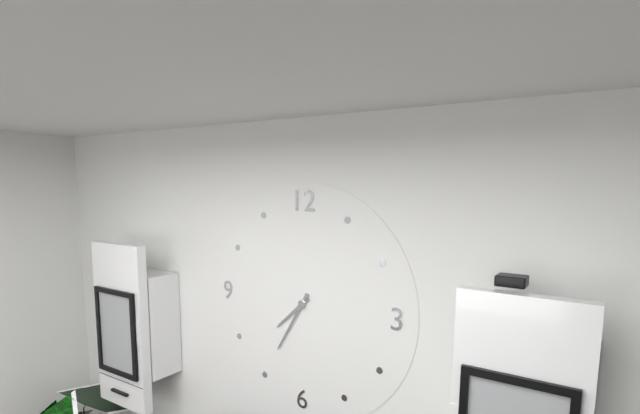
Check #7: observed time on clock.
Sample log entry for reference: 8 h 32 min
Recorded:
7 h 35 min
